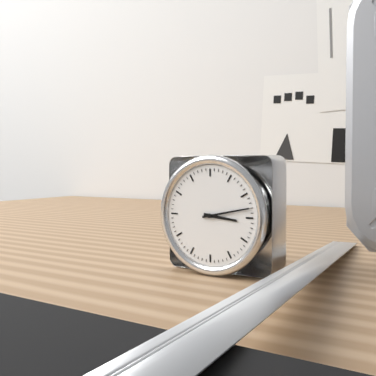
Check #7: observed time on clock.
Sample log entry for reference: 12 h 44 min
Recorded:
3 h 13 min
